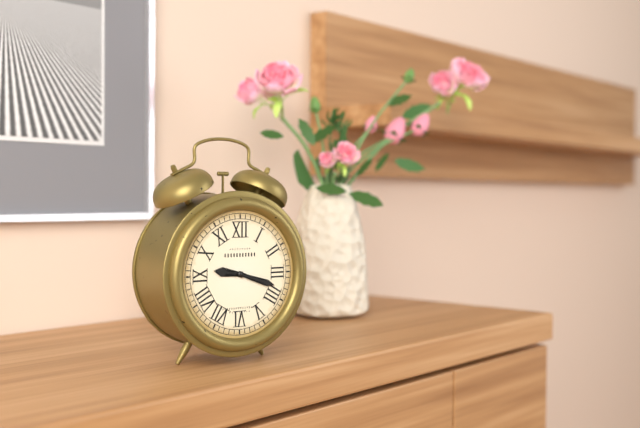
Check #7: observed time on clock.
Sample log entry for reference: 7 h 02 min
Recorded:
9 h 18 min
